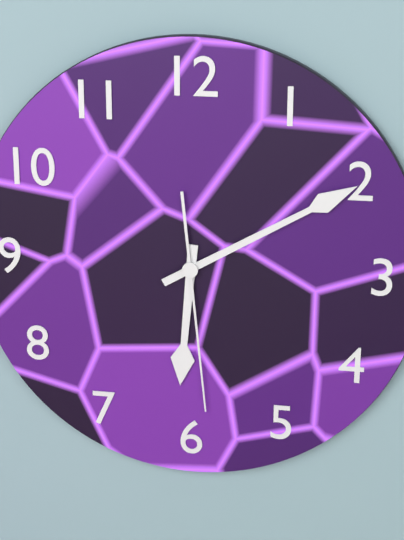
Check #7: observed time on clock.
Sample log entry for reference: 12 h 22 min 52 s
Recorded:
6 h 10 min 29 s
